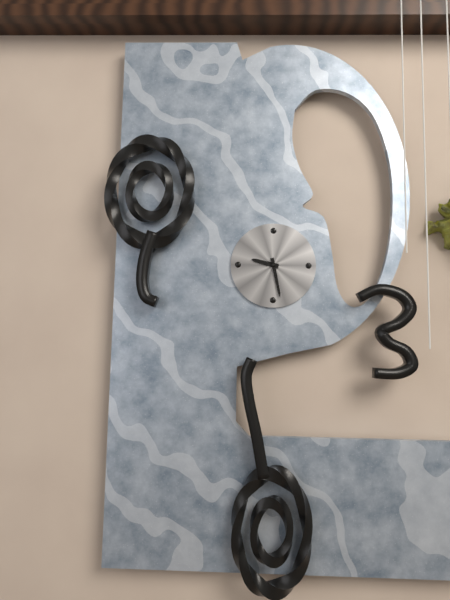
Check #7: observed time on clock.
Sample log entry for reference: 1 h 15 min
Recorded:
9 h 28 min
